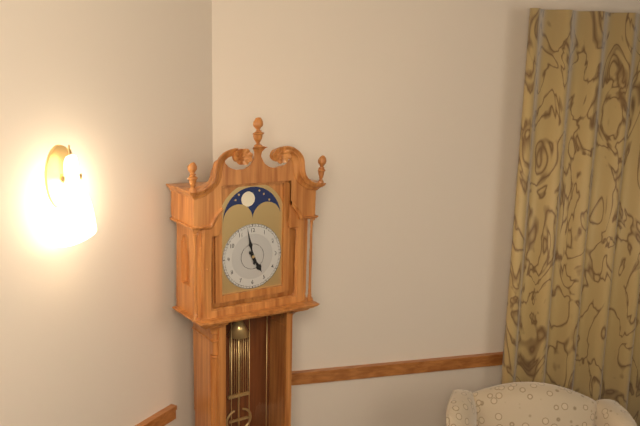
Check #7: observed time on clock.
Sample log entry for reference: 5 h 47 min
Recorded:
4 h 58 min
